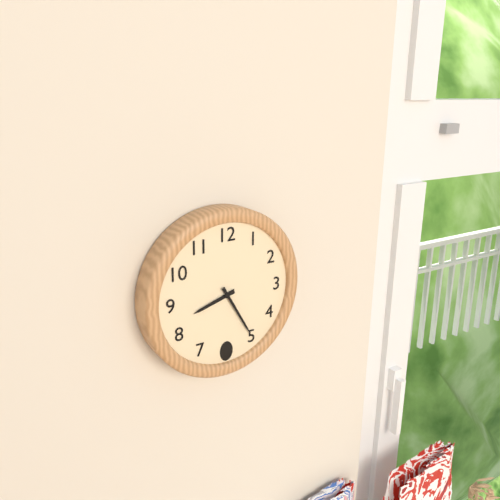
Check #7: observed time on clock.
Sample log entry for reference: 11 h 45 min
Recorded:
8 h 25 min
